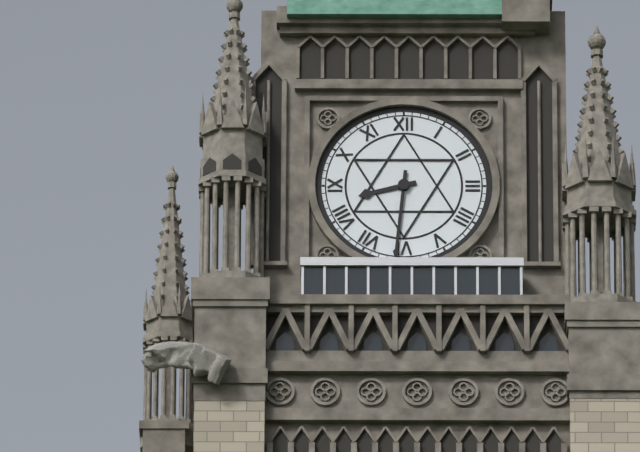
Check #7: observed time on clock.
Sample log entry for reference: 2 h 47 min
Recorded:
8 h 31 min
